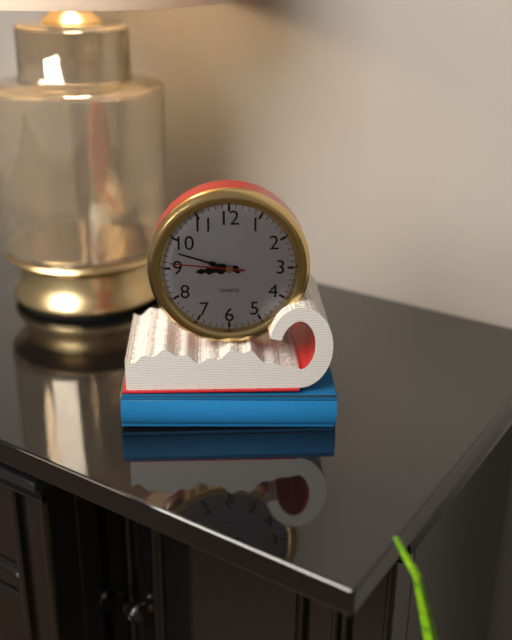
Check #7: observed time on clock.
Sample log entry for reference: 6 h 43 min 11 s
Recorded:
8 h 48 min 46 s
